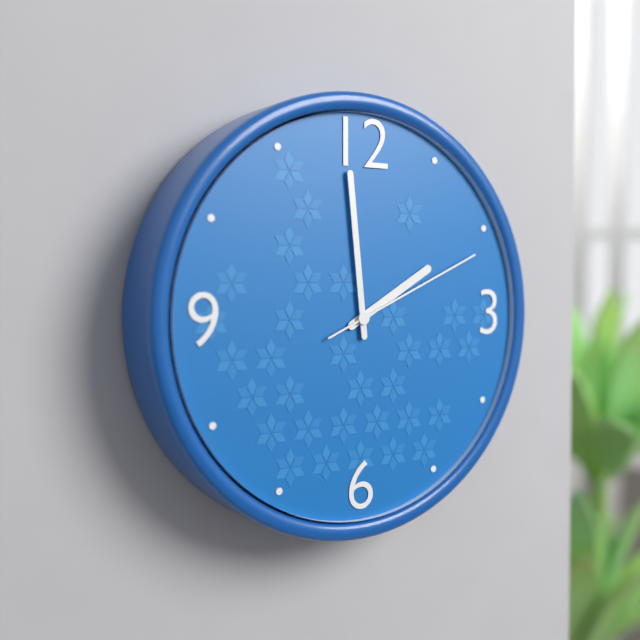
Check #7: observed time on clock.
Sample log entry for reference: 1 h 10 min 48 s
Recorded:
1 h 59 min 11 s
